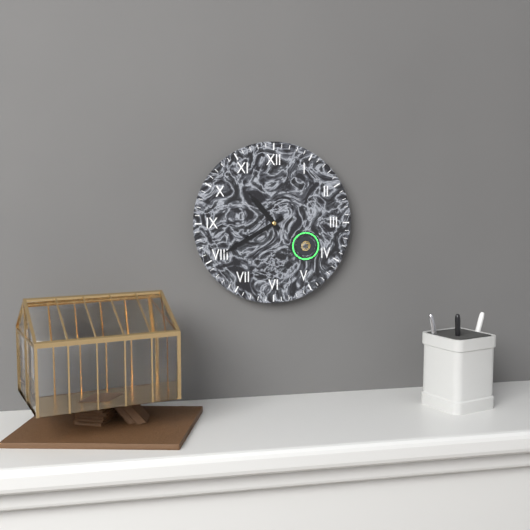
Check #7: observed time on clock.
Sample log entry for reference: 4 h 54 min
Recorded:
10 h 40 min
